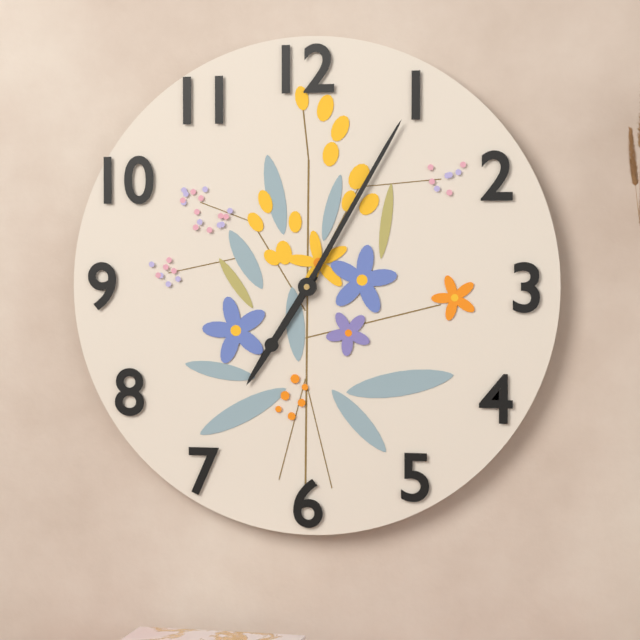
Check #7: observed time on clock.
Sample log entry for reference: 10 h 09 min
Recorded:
7 h 05 min
